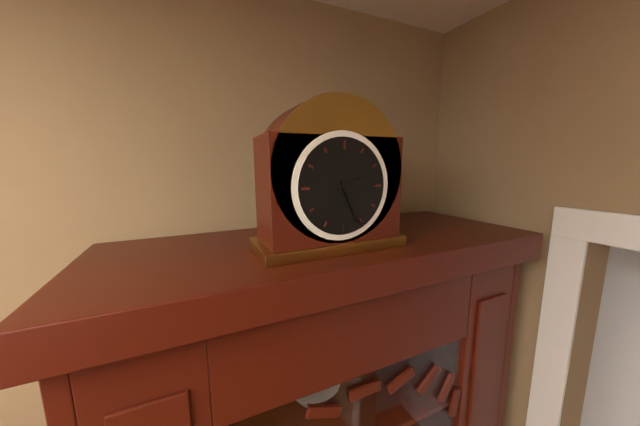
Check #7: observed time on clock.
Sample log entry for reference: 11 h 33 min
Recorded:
2 h 26 min
